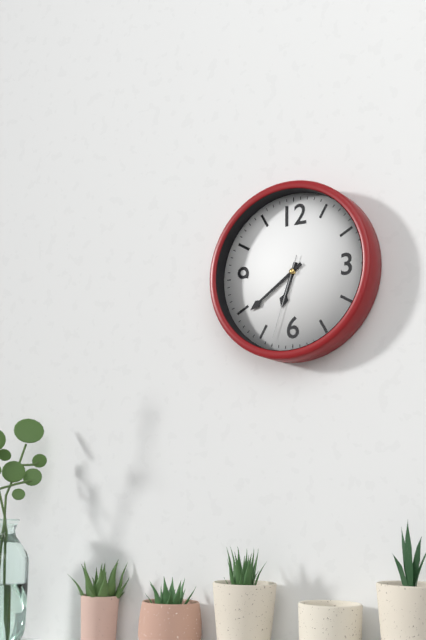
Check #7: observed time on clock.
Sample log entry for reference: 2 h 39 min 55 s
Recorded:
6 h 39 min 33 s
